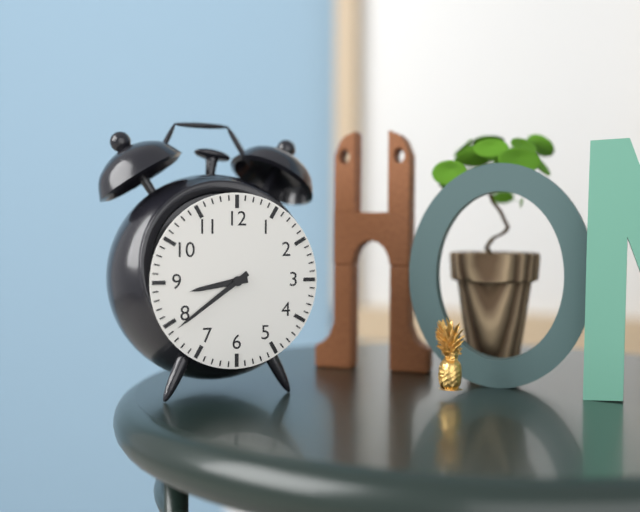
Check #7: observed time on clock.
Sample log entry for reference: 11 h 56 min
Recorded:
8 h 39 min
